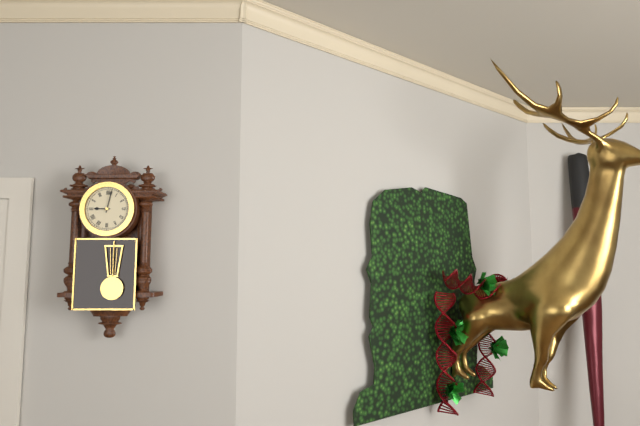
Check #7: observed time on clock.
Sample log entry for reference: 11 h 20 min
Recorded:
9 h 02 min
